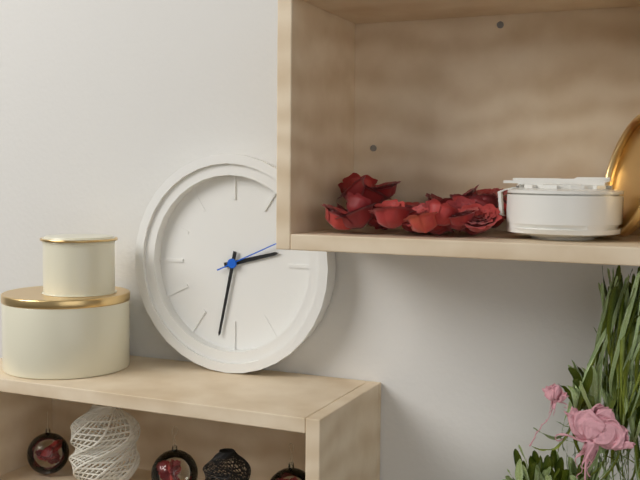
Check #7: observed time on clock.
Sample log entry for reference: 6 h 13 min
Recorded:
2 h 32 min
